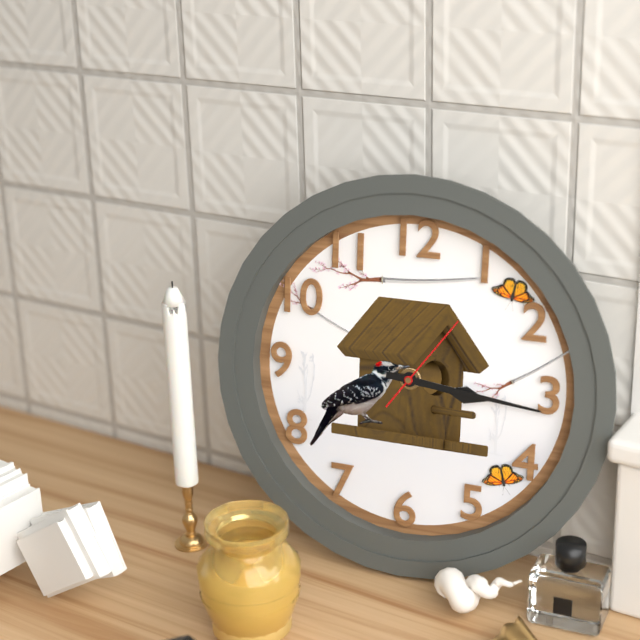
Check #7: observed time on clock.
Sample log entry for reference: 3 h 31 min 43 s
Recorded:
3 h 16 min 06 s
